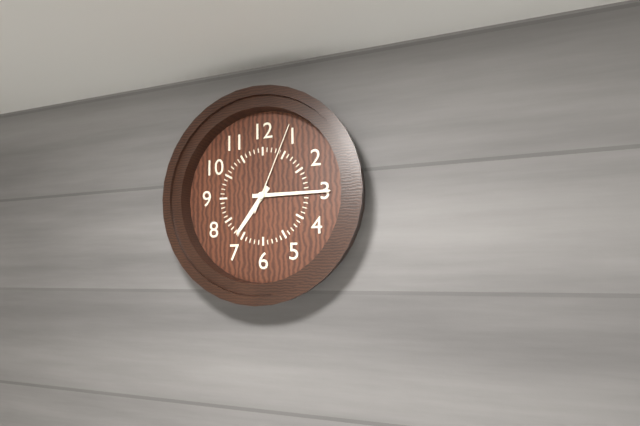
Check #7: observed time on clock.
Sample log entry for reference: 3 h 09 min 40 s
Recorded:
7 h 15 min 04 s
